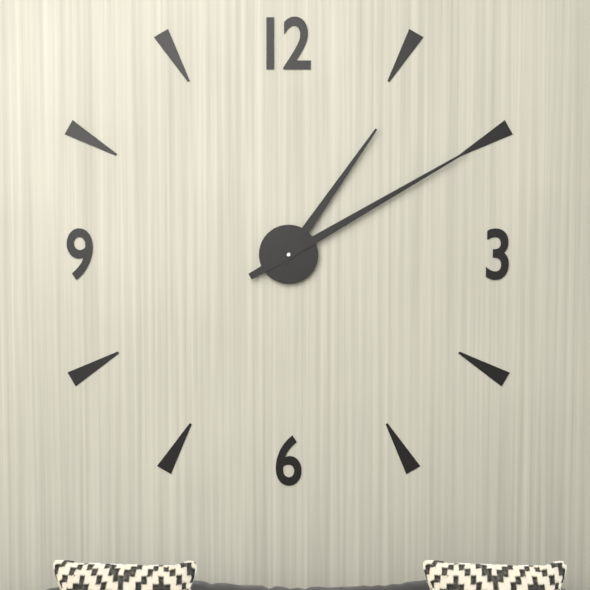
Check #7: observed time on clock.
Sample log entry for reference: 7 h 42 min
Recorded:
1 h 10 min
